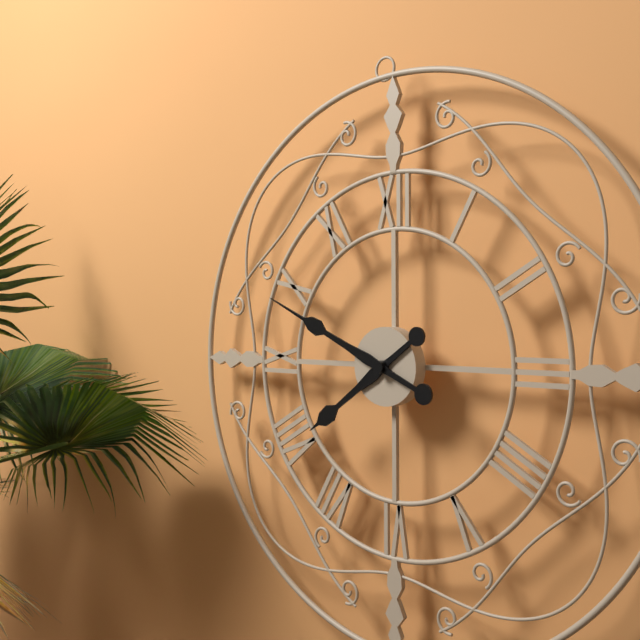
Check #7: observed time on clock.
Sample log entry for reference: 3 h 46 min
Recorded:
7 h 49 min
